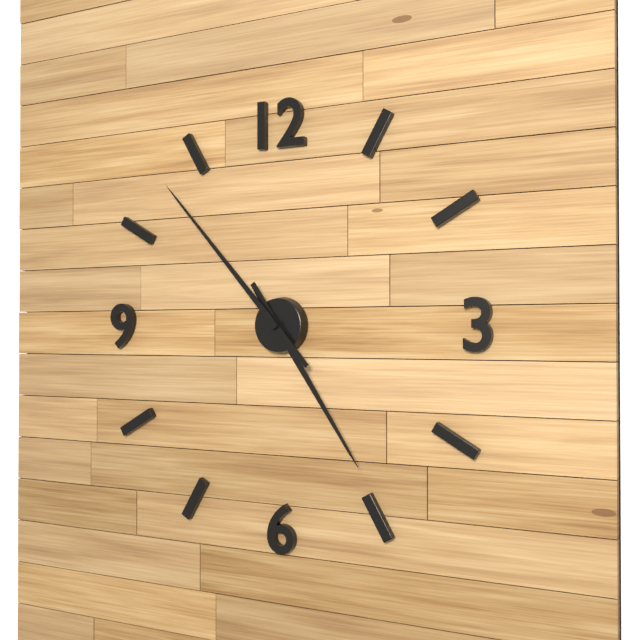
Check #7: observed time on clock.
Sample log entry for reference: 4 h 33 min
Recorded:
4 h 53 min
